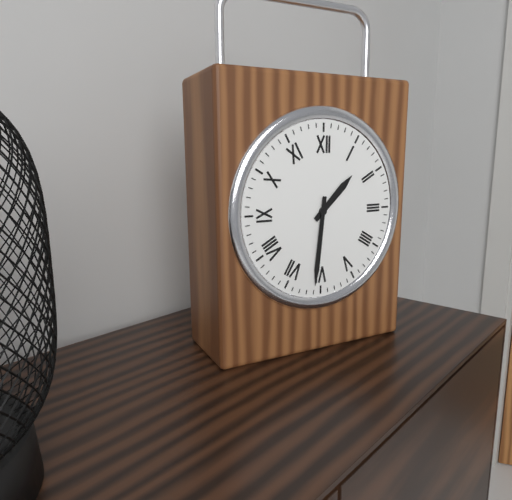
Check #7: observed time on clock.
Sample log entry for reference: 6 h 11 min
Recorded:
1 h 31 min
